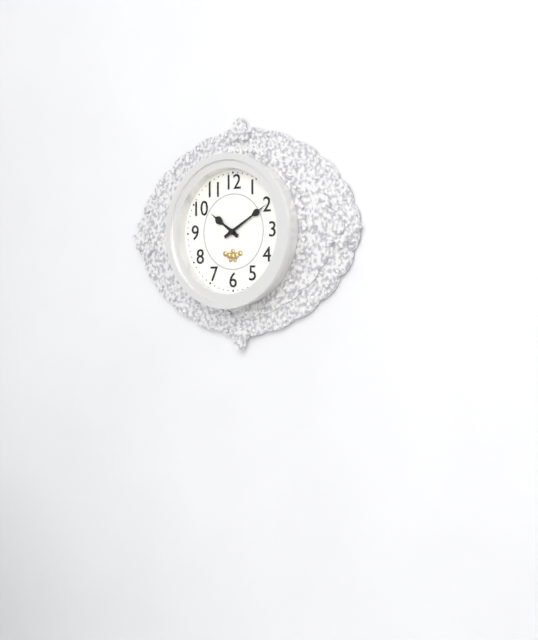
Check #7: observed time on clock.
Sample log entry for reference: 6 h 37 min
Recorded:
10 h 10 min
